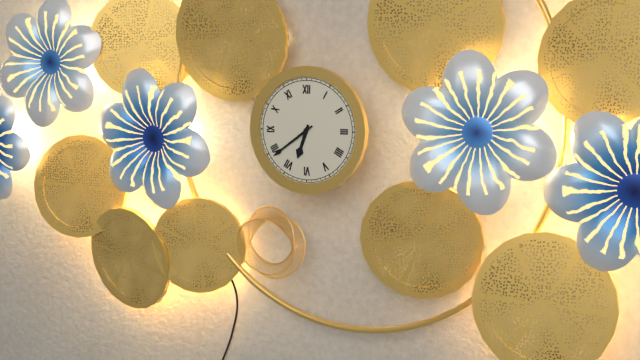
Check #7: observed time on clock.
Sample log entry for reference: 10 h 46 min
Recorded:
6 h 39 min
